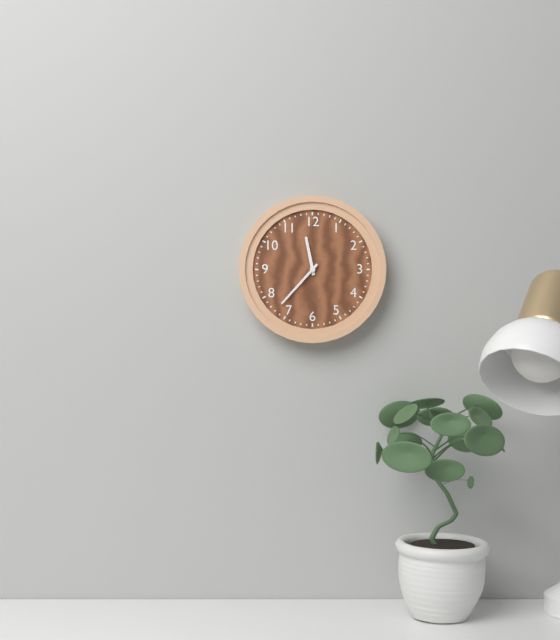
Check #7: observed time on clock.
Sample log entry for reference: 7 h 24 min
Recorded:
11 h 37 min
